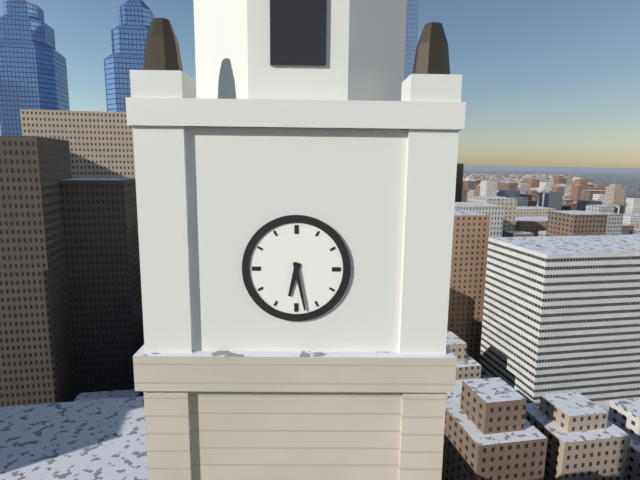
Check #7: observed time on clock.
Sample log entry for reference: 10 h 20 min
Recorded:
6 h 28 min
